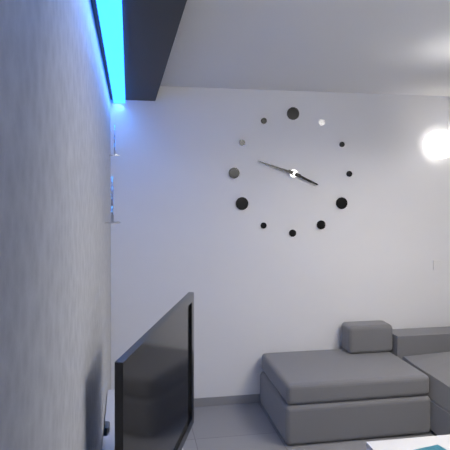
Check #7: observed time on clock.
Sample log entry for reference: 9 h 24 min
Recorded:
3 h 48 min
